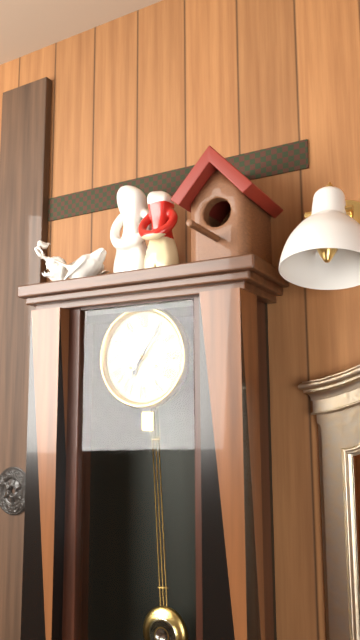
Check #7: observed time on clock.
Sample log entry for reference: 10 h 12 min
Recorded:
7 h 06 min
